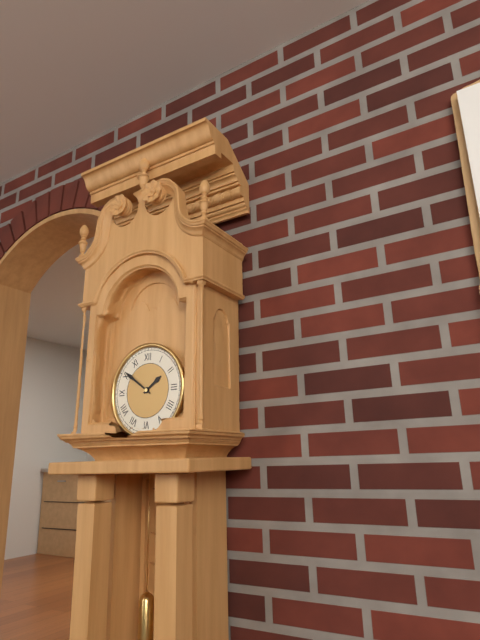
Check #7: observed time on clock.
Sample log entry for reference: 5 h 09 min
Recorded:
1 h 51 min
